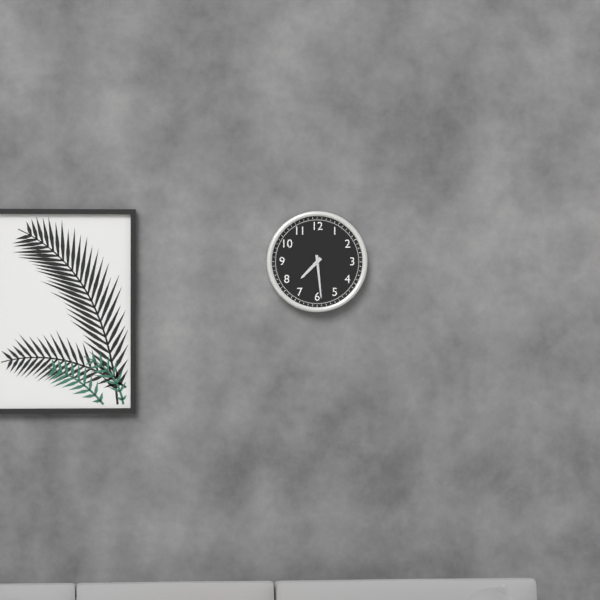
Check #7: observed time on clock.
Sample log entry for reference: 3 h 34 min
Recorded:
7 h 29 min
